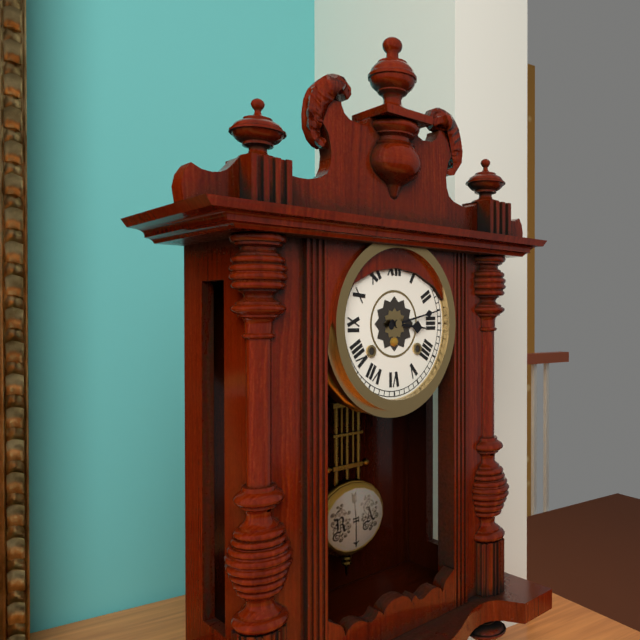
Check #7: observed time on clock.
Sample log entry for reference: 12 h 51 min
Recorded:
3 h 13 min
